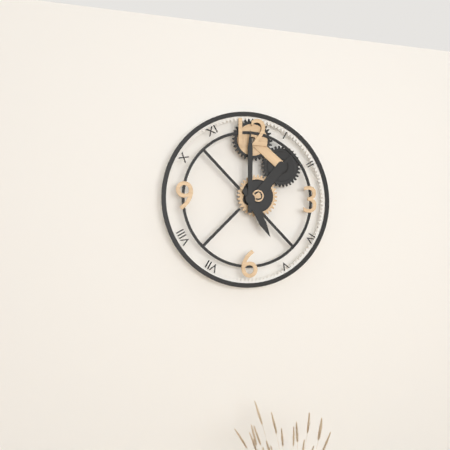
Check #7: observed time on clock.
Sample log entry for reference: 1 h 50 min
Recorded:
5 h 00 min
